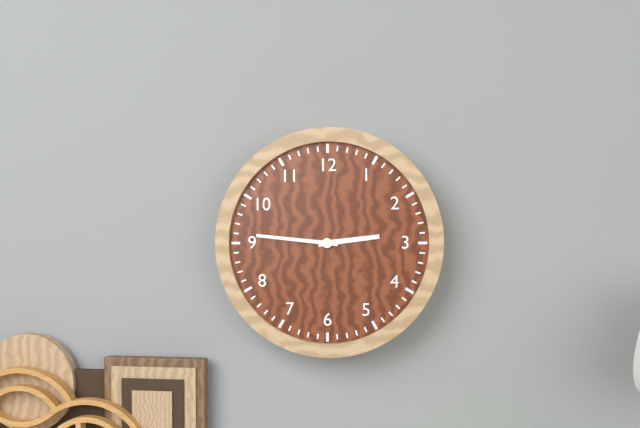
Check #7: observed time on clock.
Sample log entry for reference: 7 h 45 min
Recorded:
2 h 46 min
